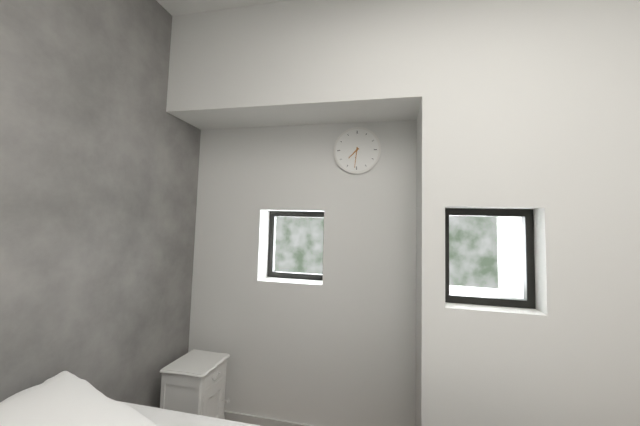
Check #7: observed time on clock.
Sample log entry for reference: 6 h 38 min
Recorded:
7 h 31 min
